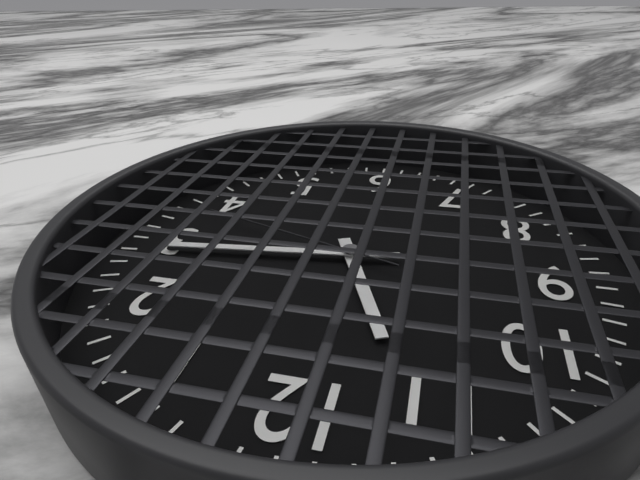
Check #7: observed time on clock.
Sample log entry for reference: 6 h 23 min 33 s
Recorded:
11 h 14 min 18 s
